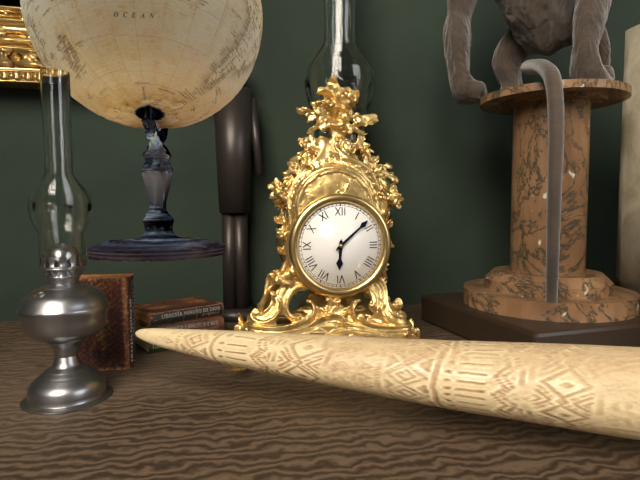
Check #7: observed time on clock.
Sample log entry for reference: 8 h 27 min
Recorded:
6 h 08 min
